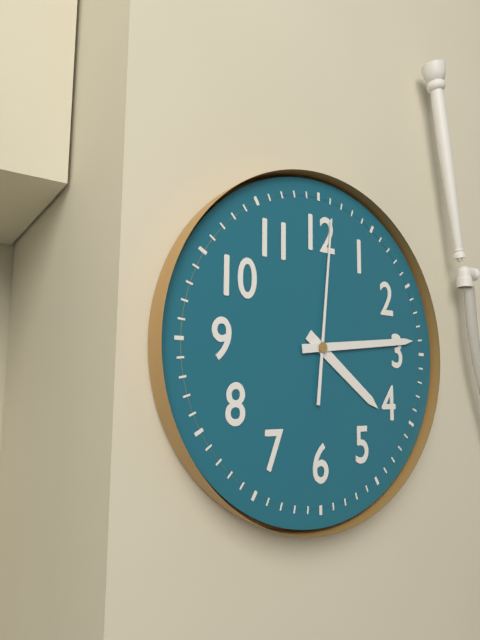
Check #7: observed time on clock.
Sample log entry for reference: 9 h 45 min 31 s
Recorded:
4 h 14 min 01 s
